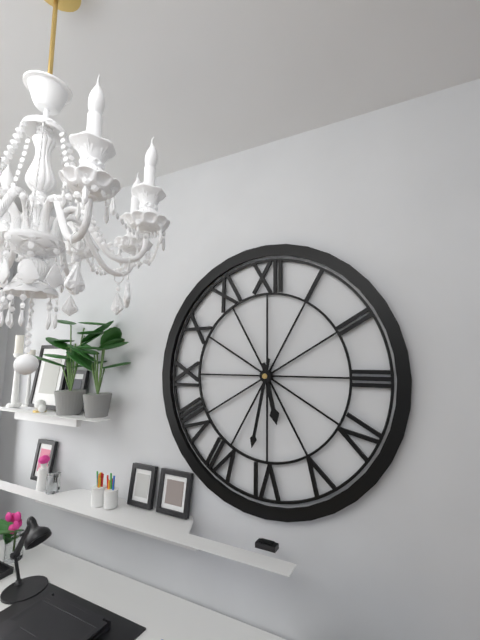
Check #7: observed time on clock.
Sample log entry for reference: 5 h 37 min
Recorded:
5 h 32 min
